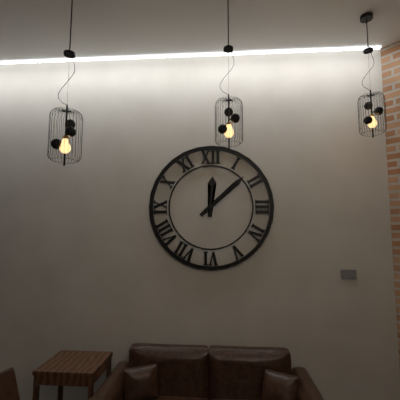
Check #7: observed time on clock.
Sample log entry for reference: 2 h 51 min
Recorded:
12 h 08 min
